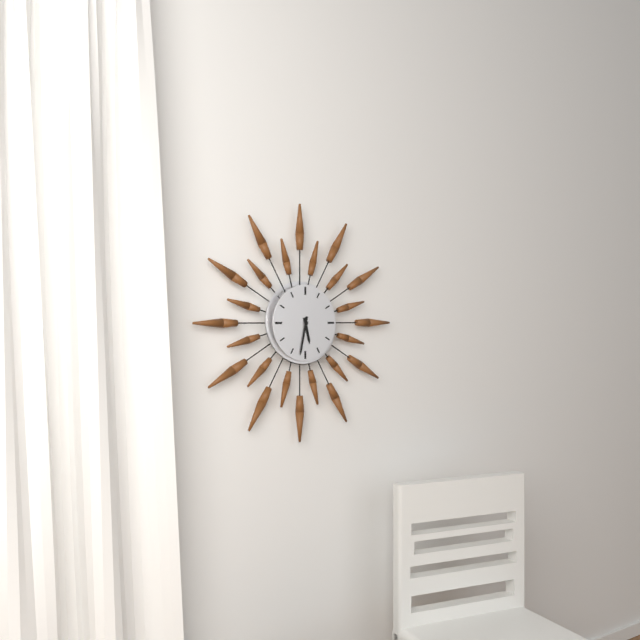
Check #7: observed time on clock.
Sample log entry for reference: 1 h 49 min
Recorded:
5 h 32 min
